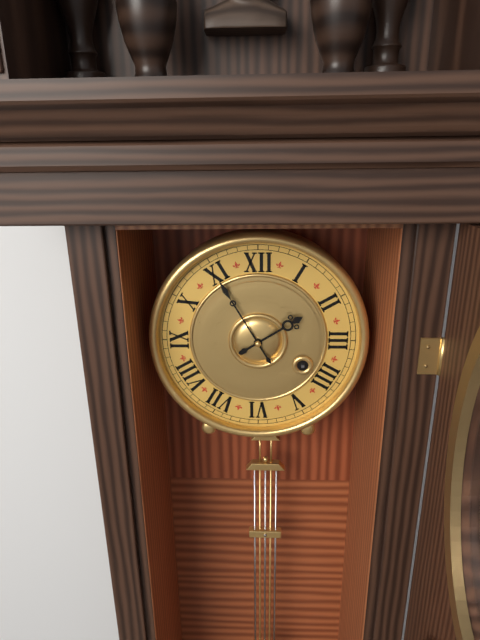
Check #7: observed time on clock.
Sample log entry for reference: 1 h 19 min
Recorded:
1 h 55 min
